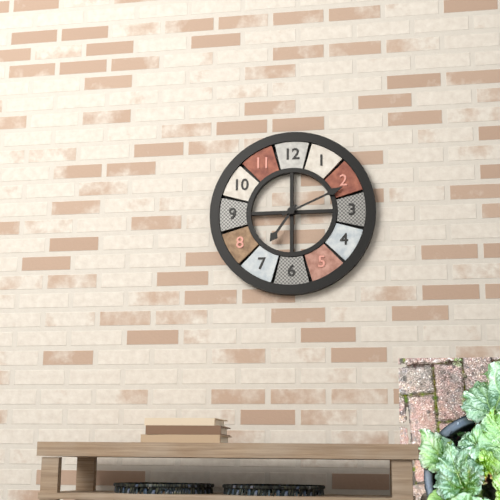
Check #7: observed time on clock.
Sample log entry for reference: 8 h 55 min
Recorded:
7 h 11 min
